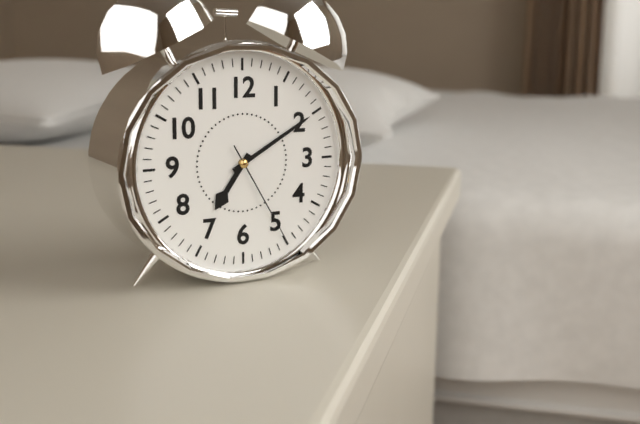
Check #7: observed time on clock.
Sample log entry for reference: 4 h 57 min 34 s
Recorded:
7 h 10 min 25 s
